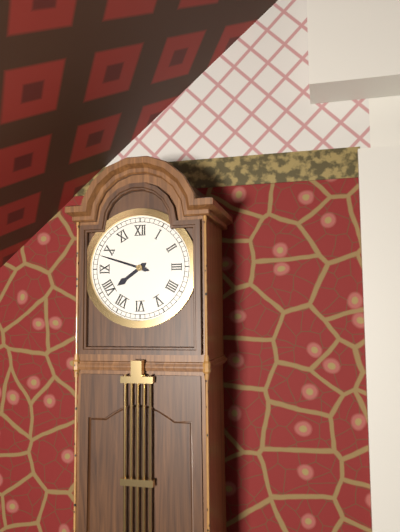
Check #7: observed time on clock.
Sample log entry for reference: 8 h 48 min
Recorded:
7 h 48 min
